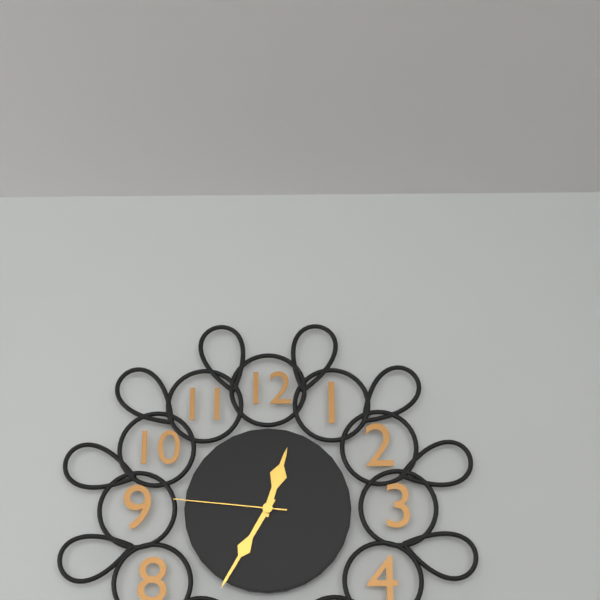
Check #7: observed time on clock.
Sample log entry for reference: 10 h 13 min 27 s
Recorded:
12 h 35 min 46 s
